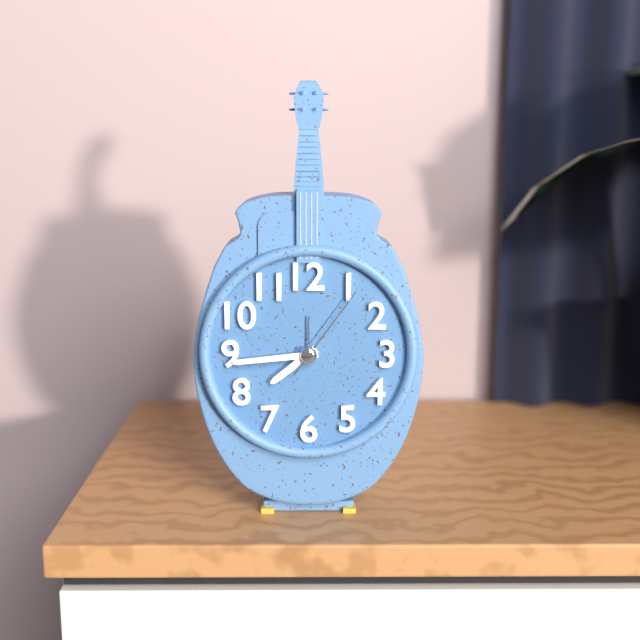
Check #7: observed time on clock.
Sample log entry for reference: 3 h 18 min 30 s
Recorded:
7 h 44 min 06 s
